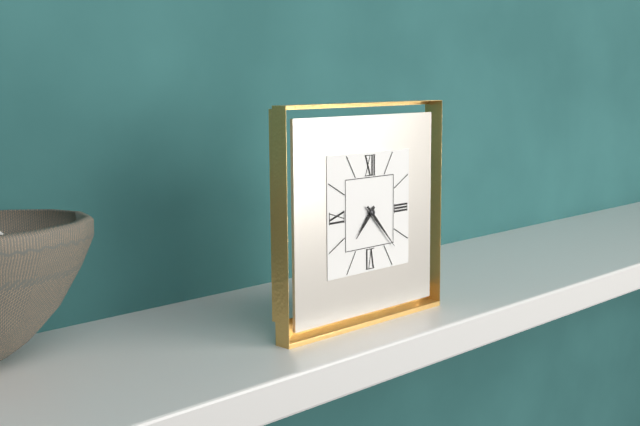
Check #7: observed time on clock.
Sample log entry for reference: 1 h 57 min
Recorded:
7 h 23 min
